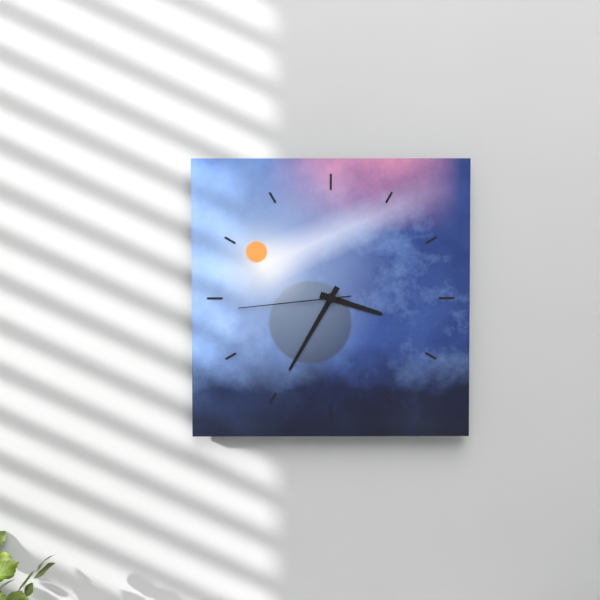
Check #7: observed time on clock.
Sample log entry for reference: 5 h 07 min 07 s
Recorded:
3 h 35 min 44 s
